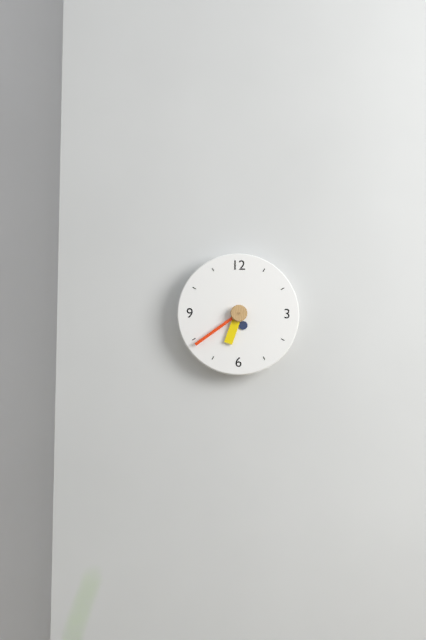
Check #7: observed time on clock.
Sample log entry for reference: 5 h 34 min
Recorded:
6 h 39 min
